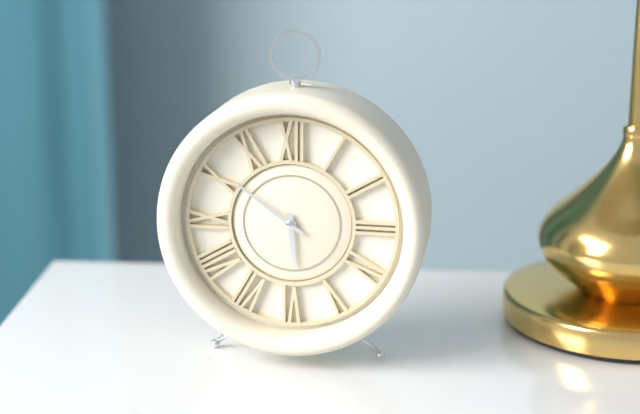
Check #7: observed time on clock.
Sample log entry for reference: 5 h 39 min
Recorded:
5 h 51 min
